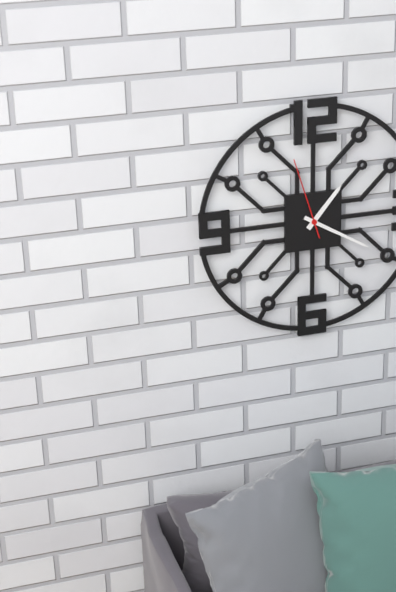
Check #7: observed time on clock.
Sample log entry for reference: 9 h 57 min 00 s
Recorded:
1 h 20 min 57 s
